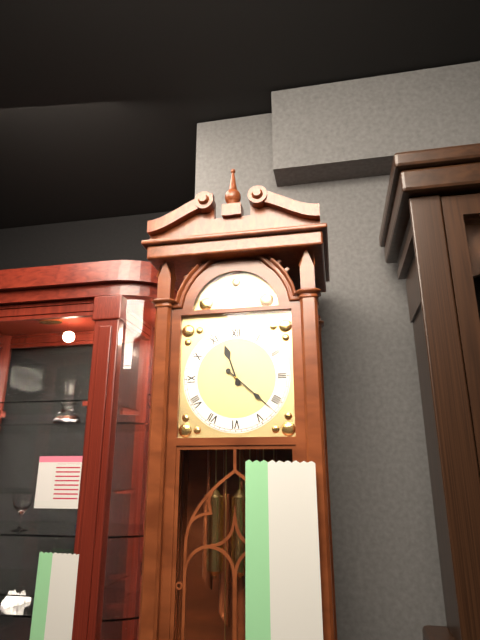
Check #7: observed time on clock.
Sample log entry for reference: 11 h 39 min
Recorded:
11 h 22 min
